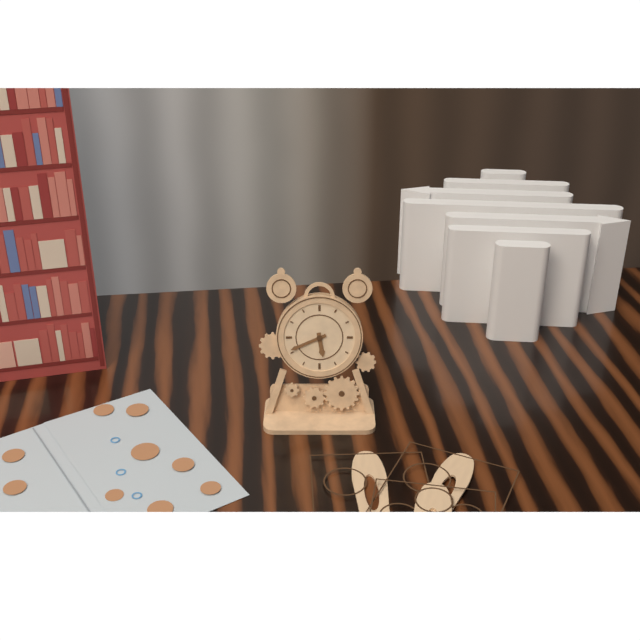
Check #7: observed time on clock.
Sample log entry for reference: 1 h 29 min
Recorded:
5 h 41 min
